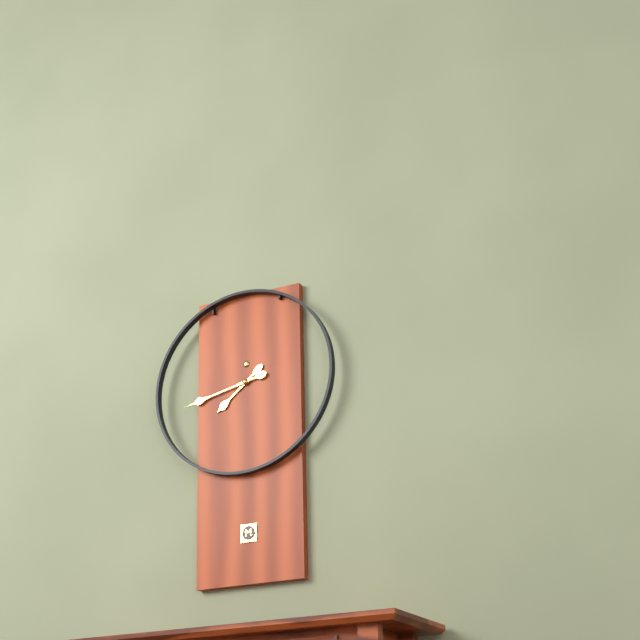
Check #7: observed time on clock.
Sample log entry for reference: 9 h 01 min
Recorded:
7 h 43 min
